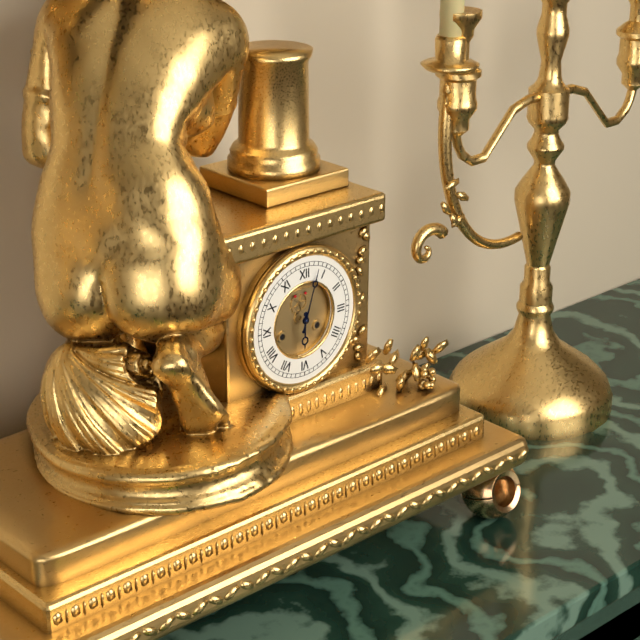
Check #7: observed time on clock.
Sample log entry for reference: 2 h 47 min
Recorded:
6 h 03 min
